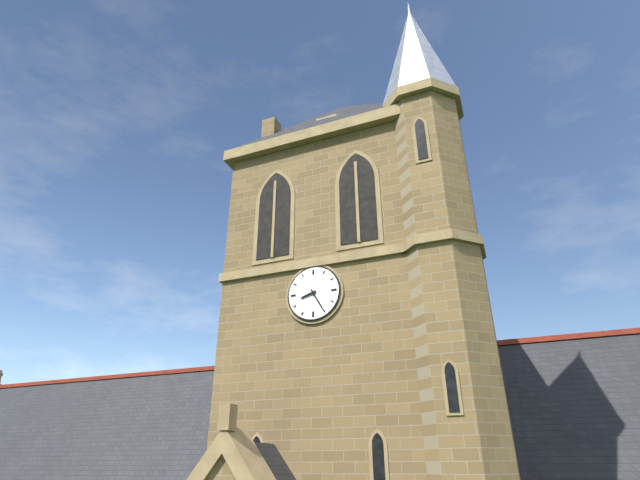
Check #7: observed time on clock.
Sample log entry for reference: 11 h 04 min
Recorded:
8 h 25 min
